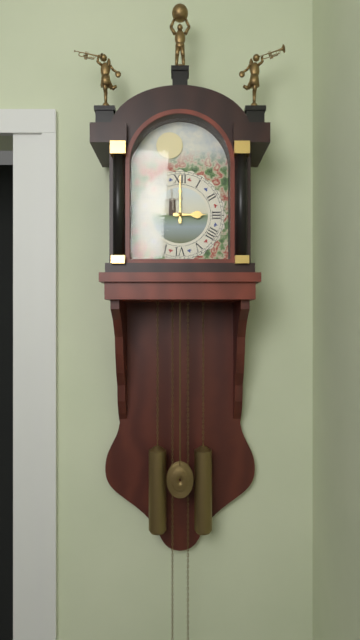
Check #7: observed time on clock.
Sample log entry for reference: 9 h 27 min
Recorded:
3 h 00 min
